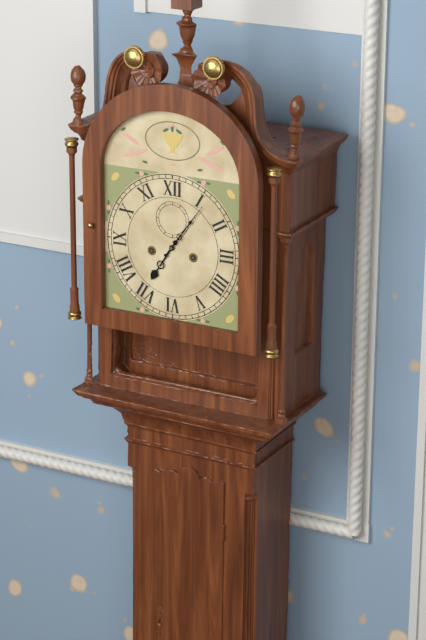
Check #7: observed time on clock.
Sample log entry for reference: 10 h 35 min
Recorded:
7 h 06 min
